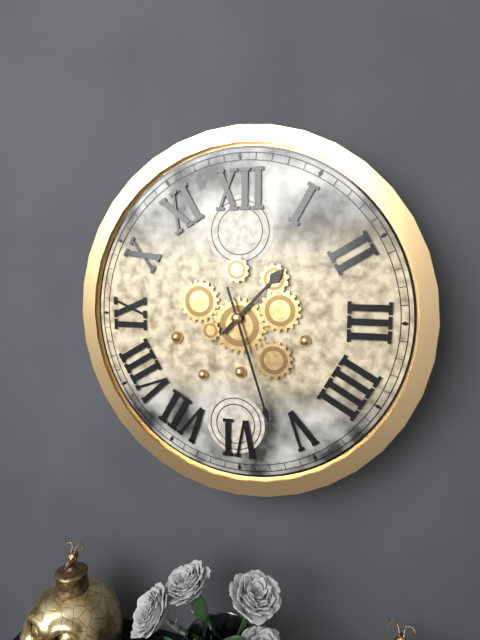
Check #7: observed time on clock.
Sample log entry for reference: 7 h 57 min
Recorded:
1 h 27 min
